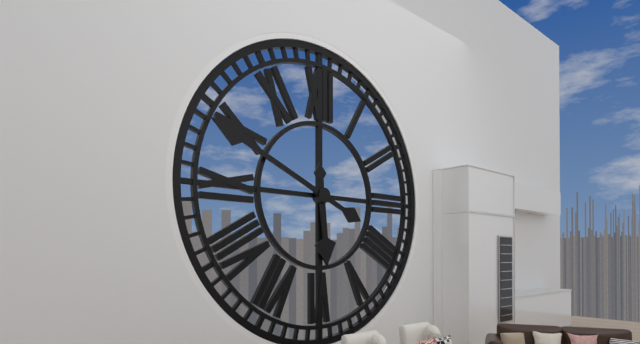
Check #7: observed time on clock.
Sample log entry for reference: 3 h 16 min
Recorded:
5 h 49 min
